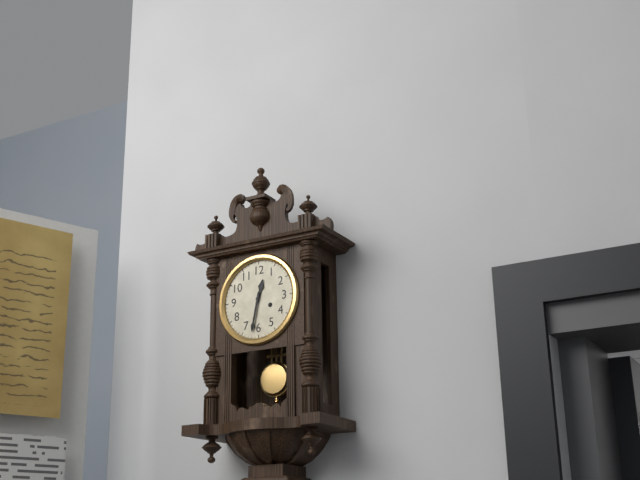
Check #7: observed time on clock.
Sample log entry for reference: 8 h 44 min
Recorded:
12 h 32 min
